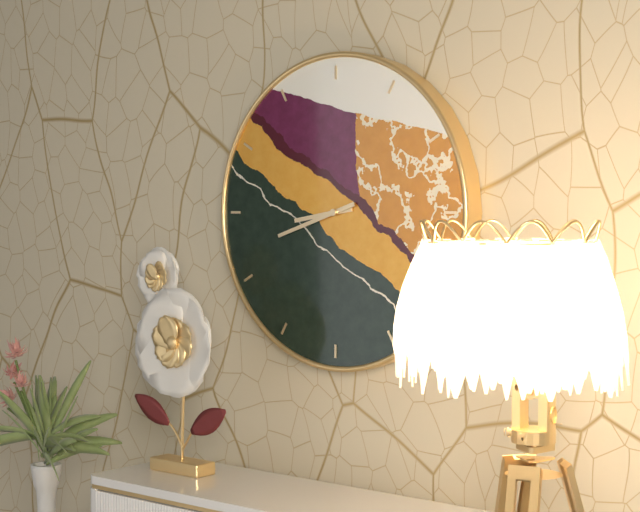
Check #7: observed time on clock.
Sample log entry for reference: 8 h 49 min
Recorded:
8 h 42 min
